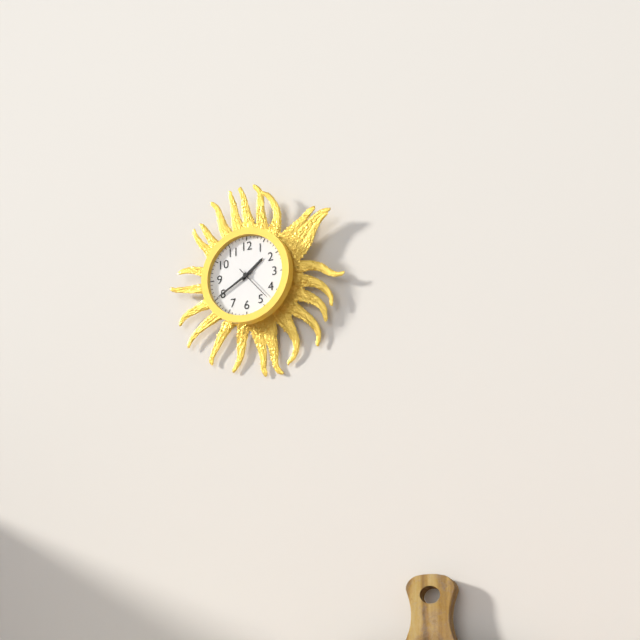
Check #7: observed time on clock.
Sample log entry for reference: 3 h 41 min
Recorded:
1 h 40 min
